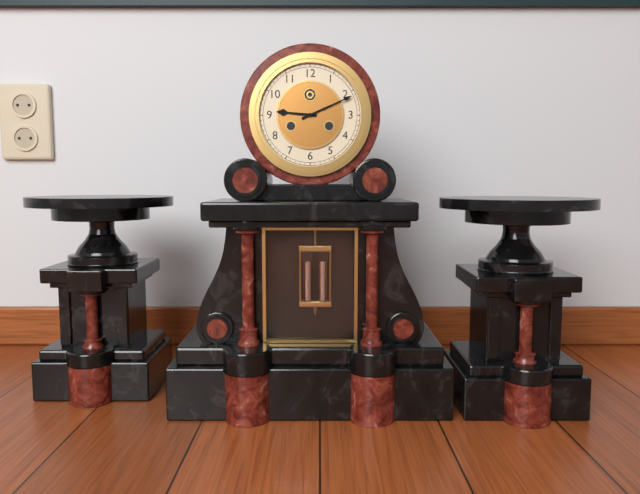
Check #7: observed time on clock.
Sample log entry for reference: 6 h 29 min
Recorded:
9 h 11 min
